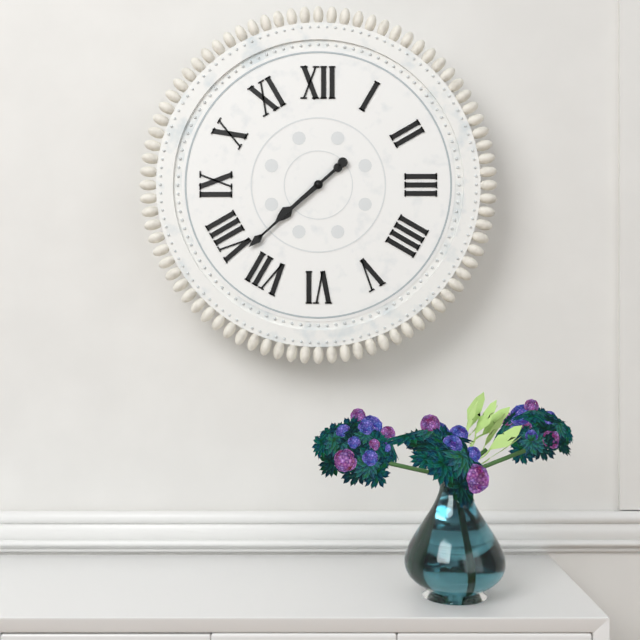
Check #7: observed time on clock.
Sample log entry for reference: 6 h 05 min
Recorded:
7 h 38 min
